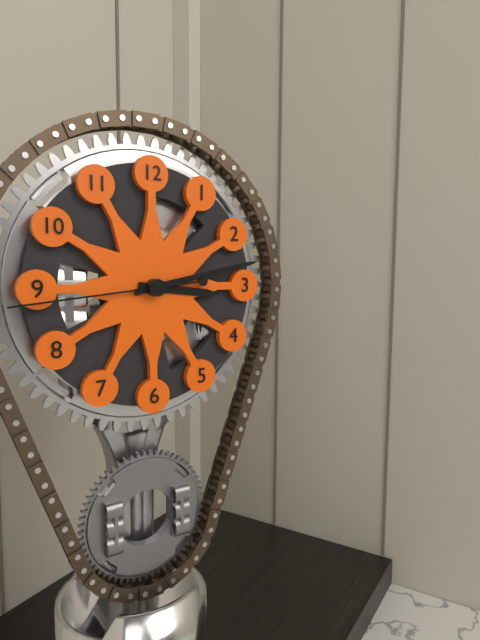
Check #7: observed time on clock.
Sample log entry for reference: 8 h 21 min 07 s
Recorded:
3 h 13 min 44 s
